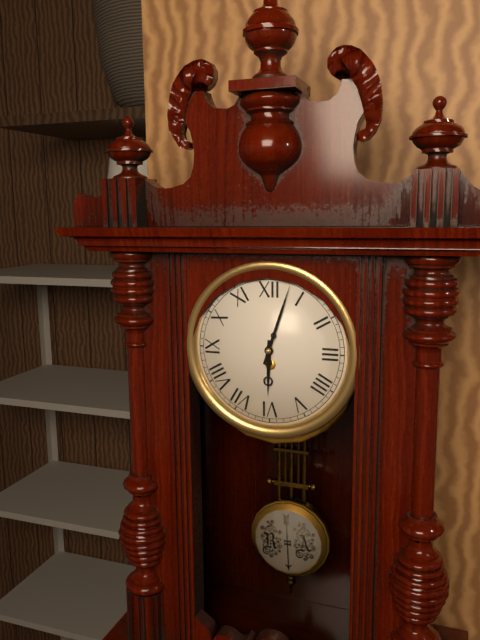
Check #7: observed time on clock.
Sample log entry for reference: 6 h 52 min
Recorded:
6 h 03 min
